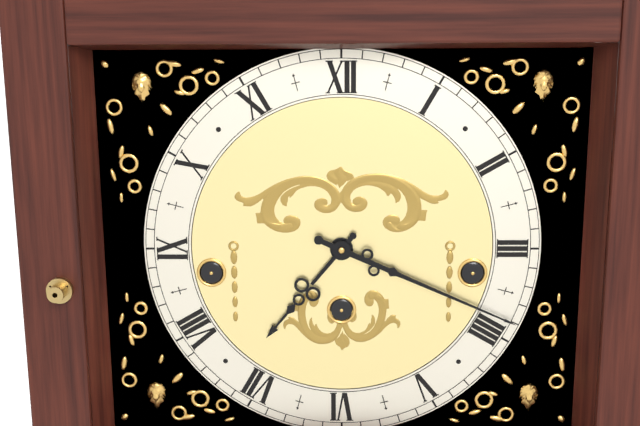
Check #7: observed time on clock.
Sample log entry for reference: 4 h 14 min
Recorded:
7 h 19 min
